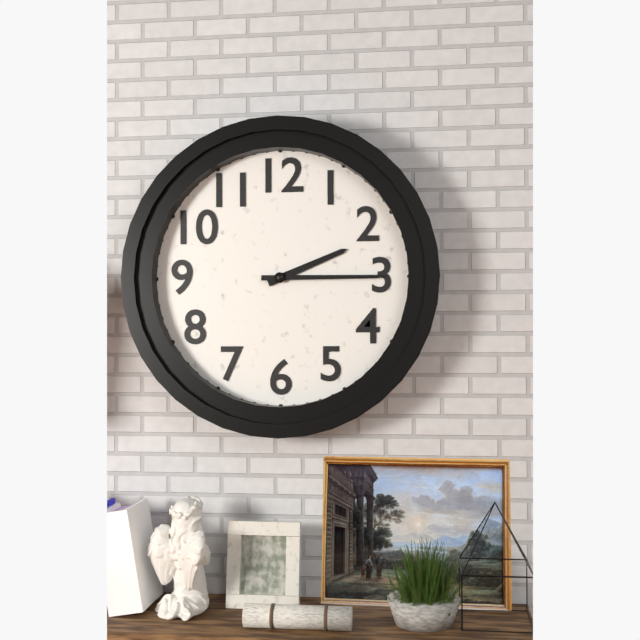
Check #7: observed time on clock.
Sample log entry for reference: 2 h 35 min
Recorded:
2 h 15 min
